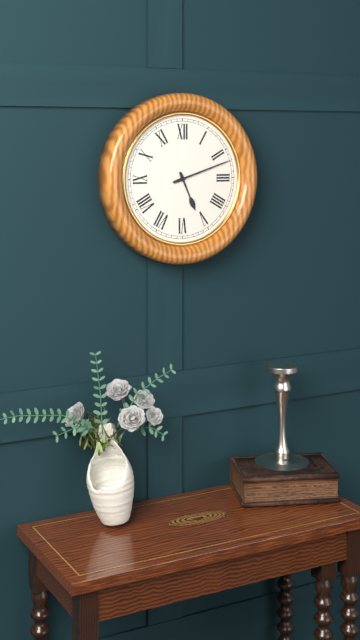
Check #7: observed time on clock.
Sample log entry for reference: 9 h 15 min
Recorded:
5 h 12 min
